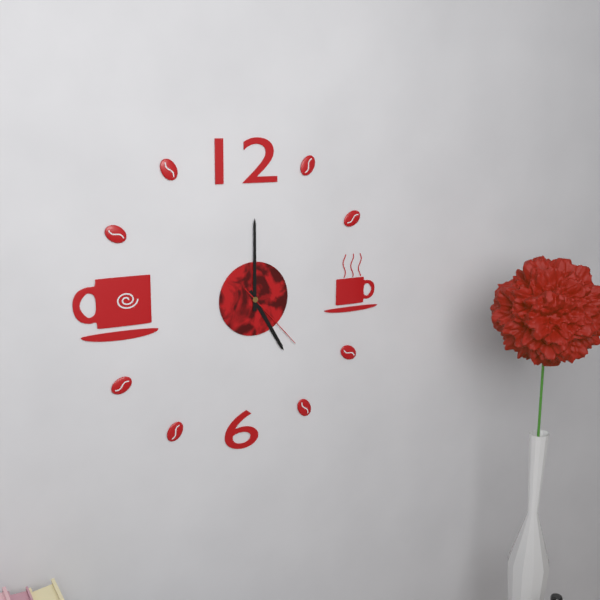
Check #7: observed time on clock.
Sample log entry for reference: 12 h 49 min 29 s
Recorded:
5 h 00 min 23 s
